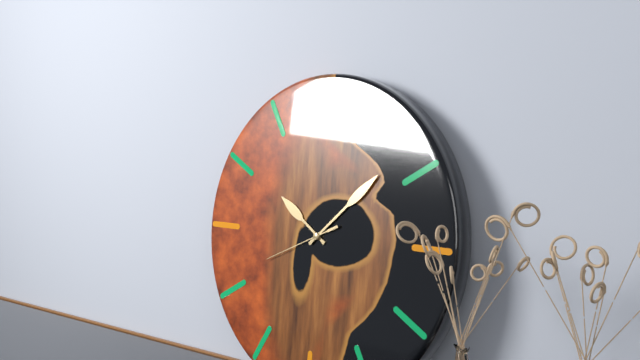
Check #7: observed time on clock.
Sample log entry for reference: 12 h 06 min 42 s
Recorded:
10 h 08 min 41 s
